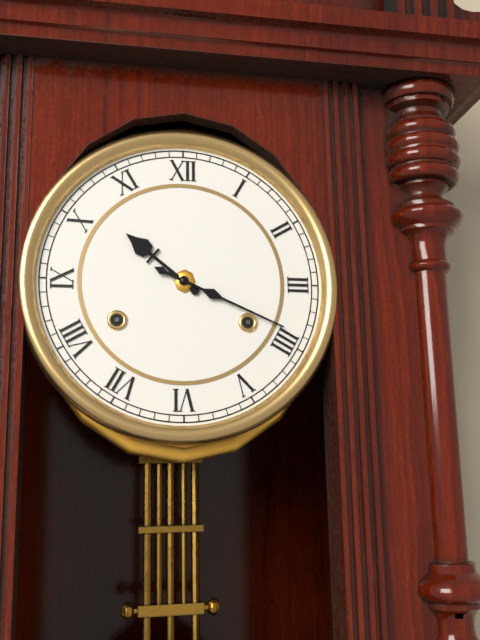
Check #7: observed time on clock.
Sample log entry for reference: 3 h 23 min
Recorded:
10 h 19 min
